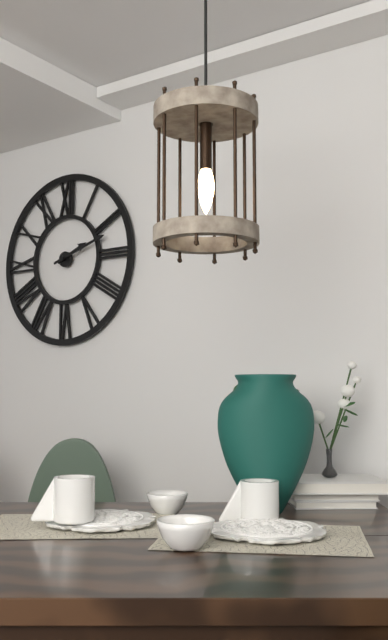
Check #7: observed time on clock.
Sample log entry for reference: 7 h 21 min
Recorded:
2 h 12 min
